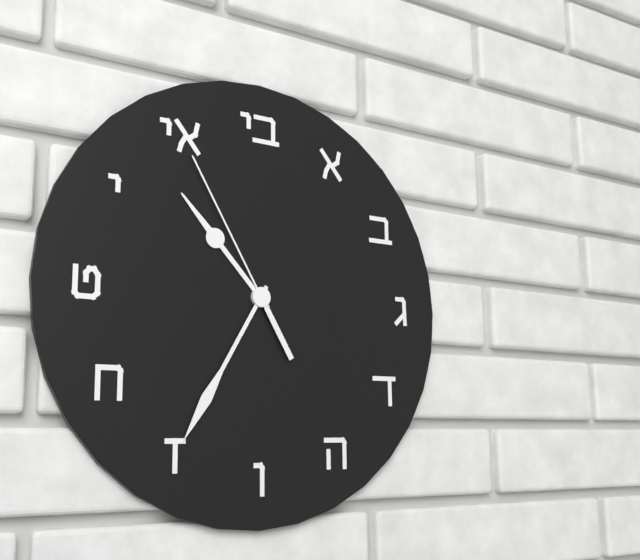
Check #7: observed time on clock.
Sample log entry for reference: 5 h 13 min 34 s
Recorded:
10 h 35 min 55 s
